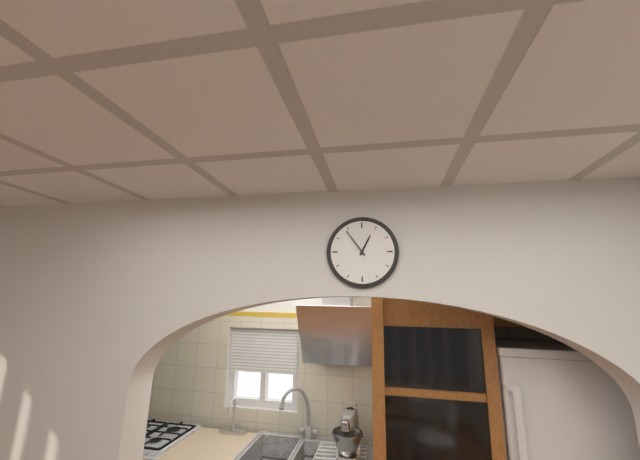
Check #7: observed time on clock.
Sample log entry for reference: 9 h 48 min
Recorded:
12 h 54 min
